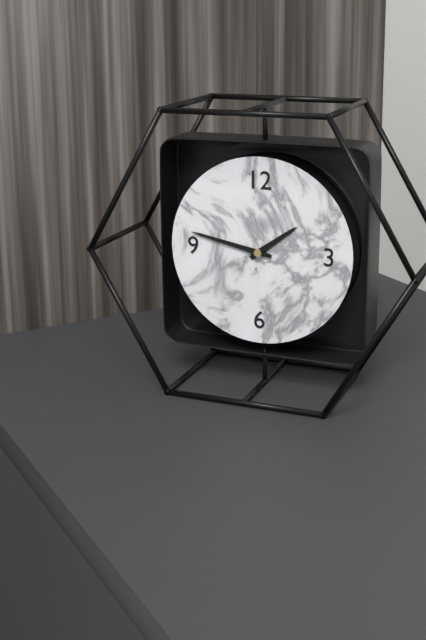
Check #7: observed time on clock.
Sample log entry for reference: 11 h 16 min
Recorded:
1 h 47 min
